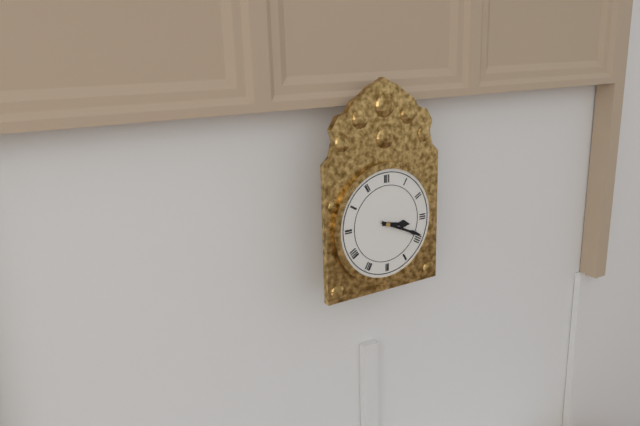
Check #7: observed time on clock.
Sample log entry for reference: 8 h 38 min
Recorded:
3 h 19 min
